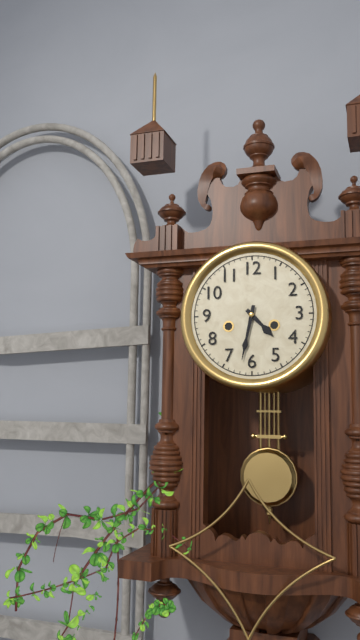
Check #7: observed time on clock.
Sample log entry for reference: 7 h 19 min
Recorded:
4 h 32 min
